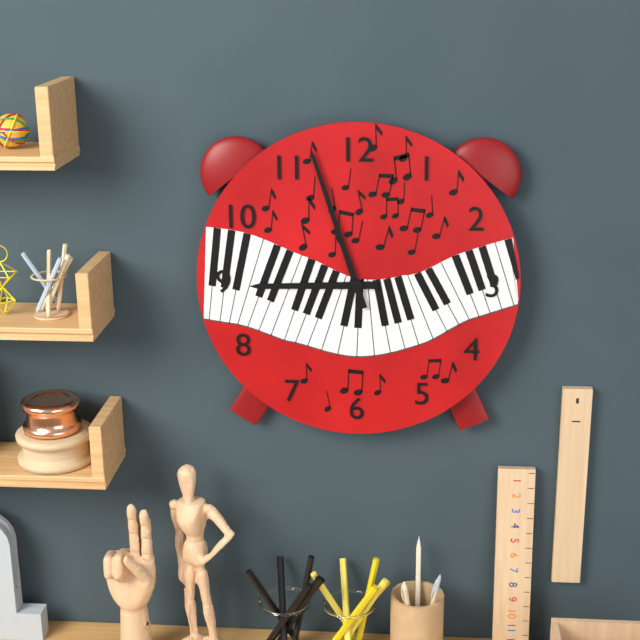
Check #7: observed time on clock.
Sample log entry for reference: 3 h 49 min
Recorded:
8 h 57 min
